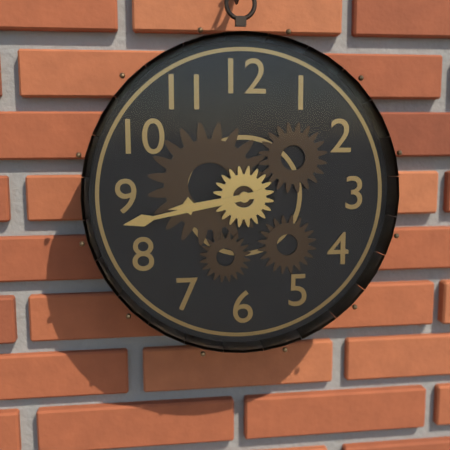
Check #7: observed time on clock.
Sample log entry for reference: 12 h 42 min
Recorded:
8 h 43 min
